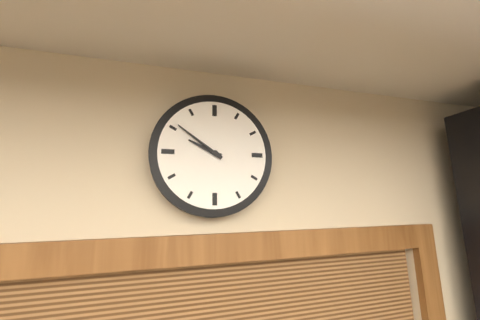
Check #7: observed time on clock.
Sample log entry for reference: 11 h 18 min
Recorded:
9 h 51 min
